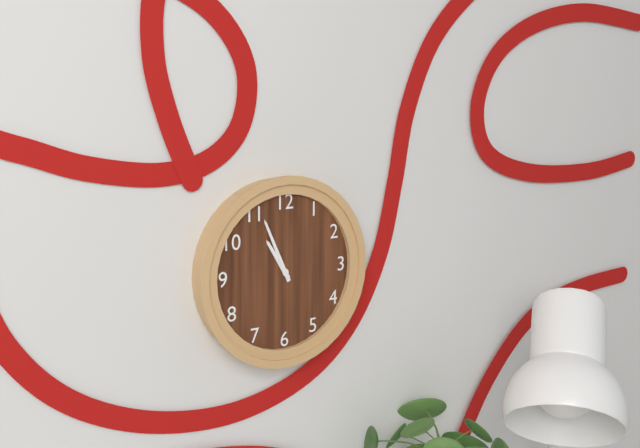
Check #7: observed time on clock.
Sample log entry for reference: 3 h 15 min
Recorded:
10 h 56 min
